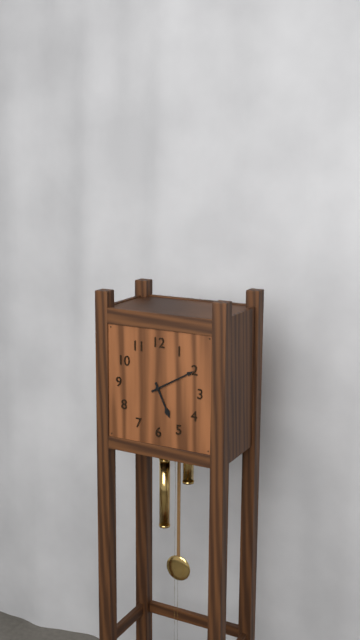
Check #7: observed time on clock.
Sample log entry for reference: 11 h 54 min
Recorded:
5 h 10 min
